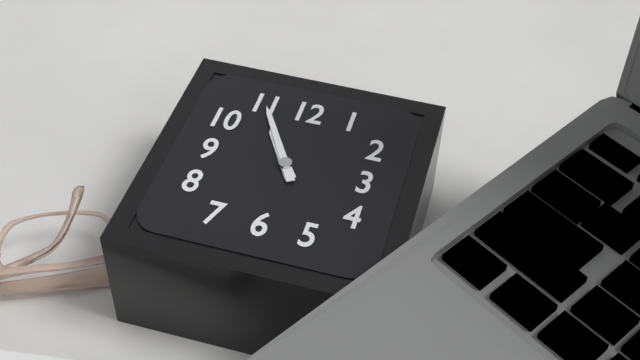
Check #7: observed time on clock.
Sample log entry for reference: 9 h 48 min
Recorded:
10 h 55 min
